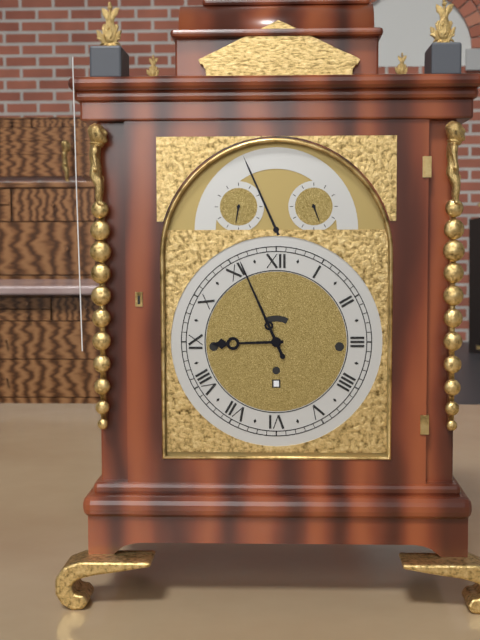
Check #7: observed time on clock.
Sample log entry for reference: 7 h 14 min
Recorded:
8 h 56 min
